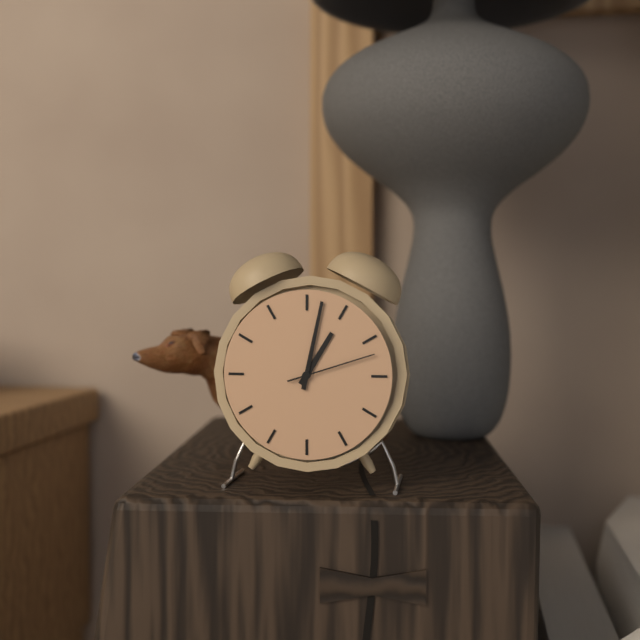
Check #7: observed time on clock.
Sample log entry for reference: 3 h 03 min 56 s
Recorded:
1 h 02 min 12 s
